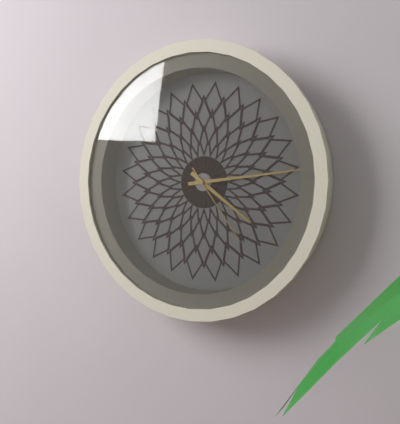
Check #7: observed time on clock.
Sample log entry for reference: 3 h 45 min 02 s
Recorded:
4 h 14 min 24 s
